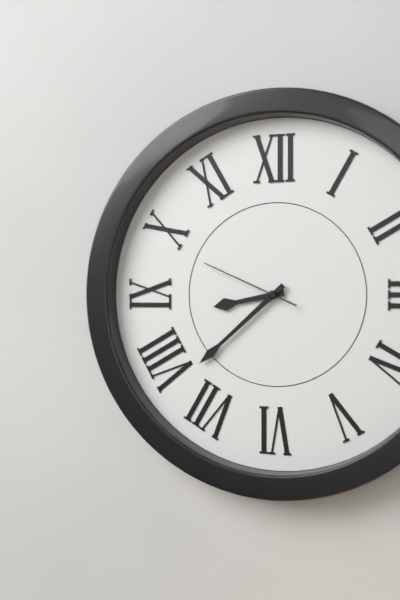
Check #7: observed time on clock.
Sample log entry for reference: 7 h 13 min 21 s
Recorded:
8 h 38 min 49 s
